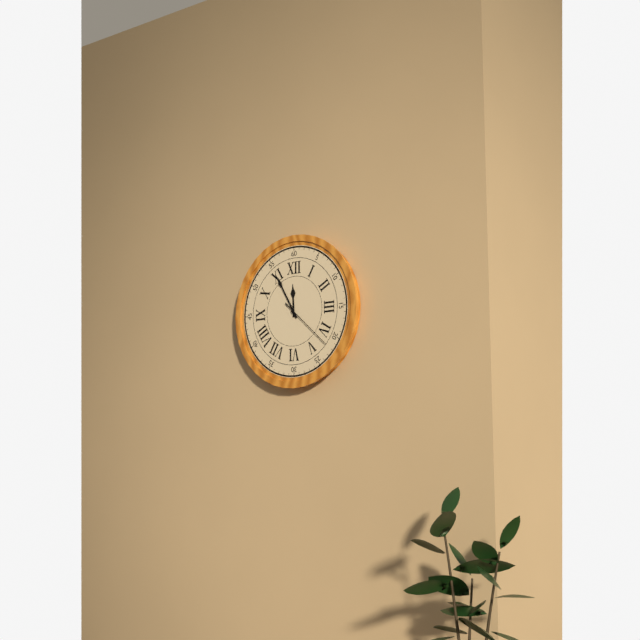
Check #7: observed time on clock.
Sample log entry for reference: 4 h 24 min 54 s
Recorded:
11 h 55 min 22 s
